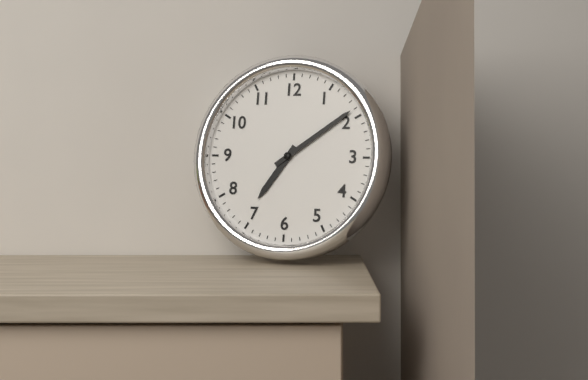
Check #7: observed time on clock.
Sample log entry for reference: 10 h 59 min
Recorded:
7 h 09 min
